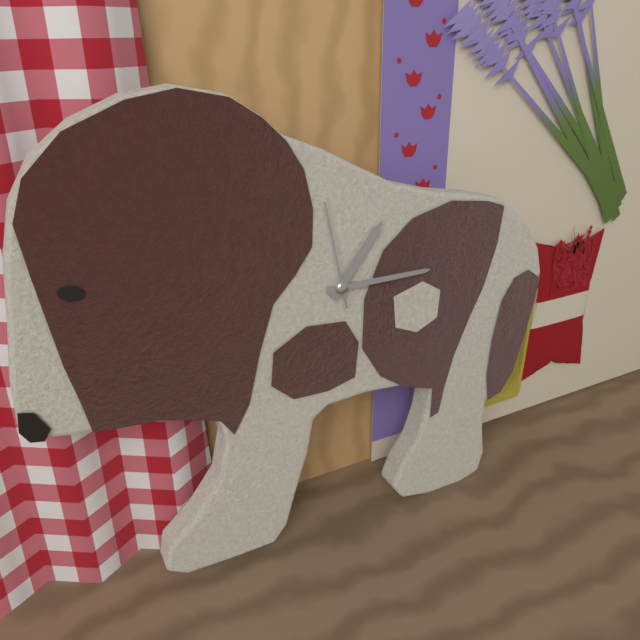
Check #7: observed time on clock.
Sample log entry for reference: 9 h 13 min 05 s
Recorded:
1 h 15 min 58 s
